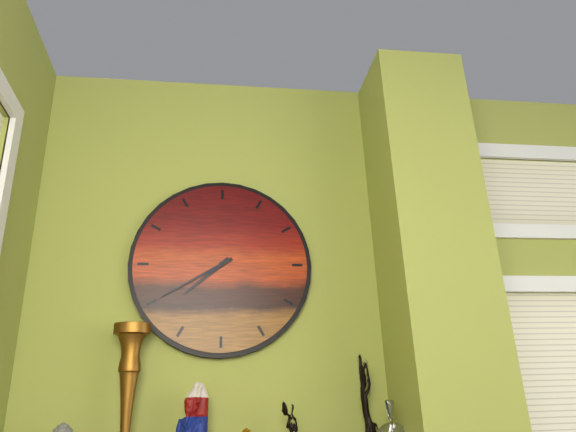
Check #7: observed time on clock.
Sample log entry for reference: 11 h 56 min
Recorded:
7 h 40 min
